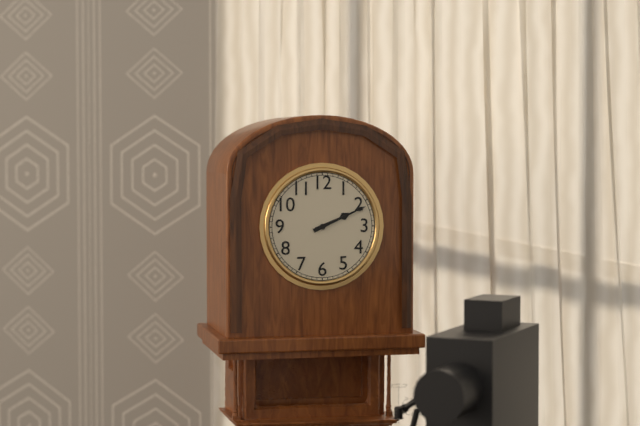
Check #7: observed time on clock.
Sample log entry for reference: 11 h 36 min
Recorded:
2 h 11 min
